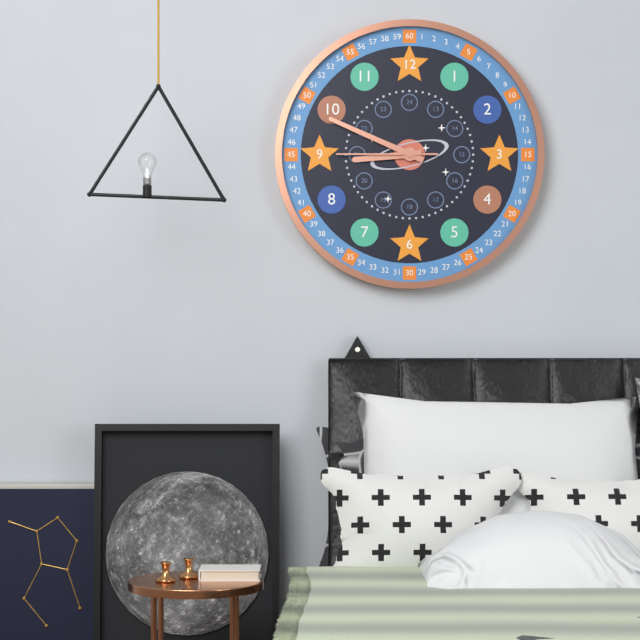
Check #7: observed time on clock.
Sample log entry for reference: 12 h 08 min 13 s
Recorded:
8 h 49 min 45 s
